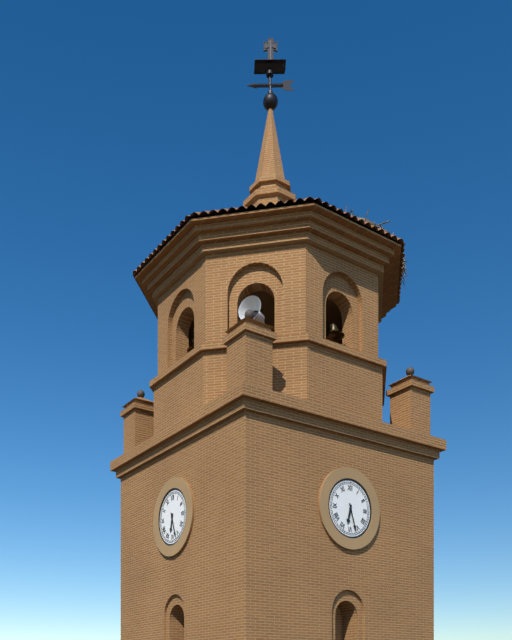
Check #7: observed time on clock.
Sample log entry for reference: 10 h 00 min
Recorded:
6 h 27 min
